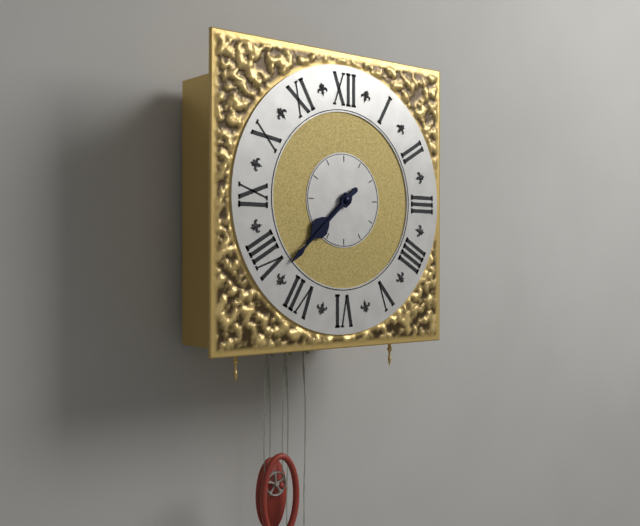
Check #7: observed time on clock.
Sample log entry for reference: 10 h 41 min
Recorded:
7 h 38 min
